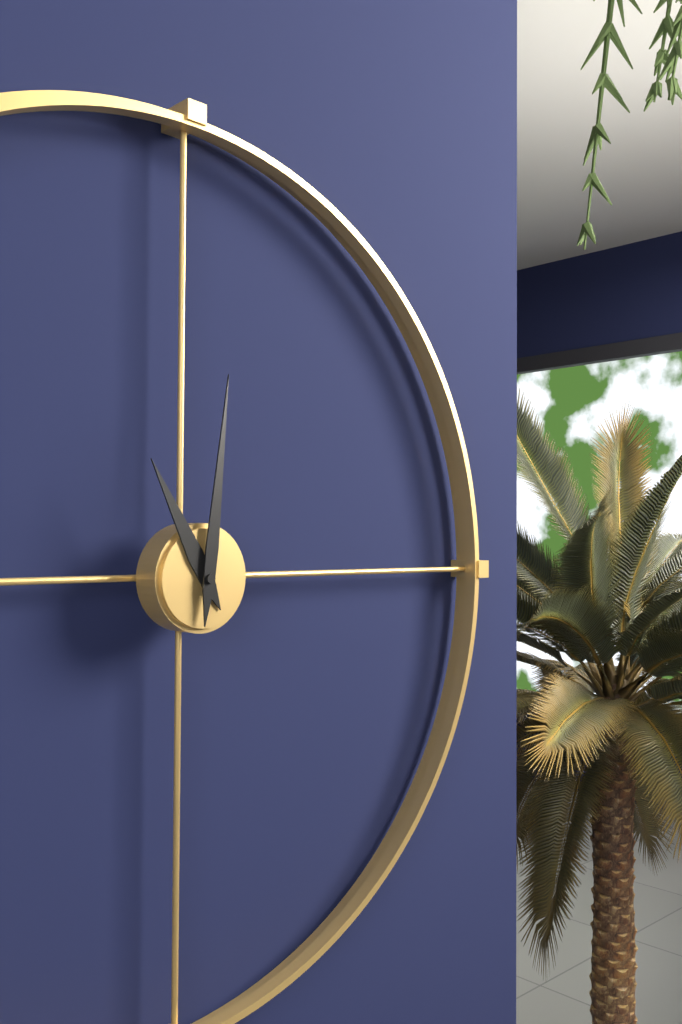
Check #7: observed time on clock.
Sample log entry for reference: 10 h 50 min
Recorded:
11 h 01 min
